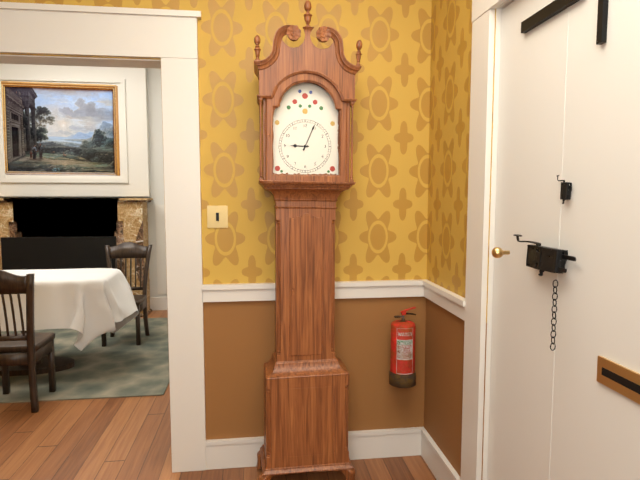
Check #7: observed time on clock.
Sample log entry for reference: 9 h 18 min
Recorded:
9 h 04 min
